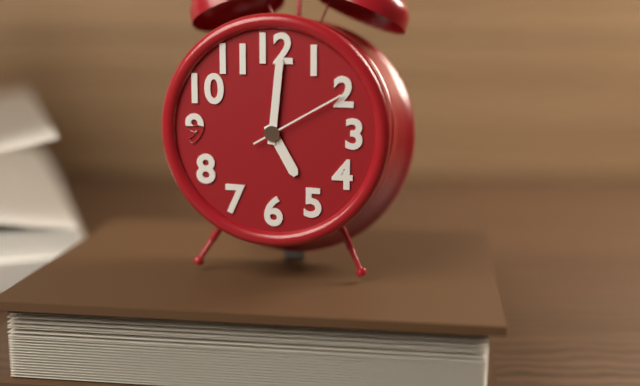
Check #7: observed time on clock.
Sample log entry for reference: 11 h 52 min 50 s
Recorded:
5 h 01 min 10 s
